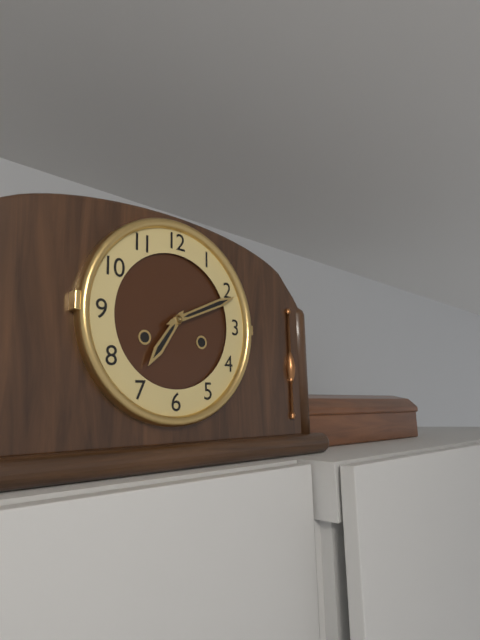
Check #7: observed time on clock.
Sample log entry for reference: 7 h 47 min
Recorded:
7 h 11 min
